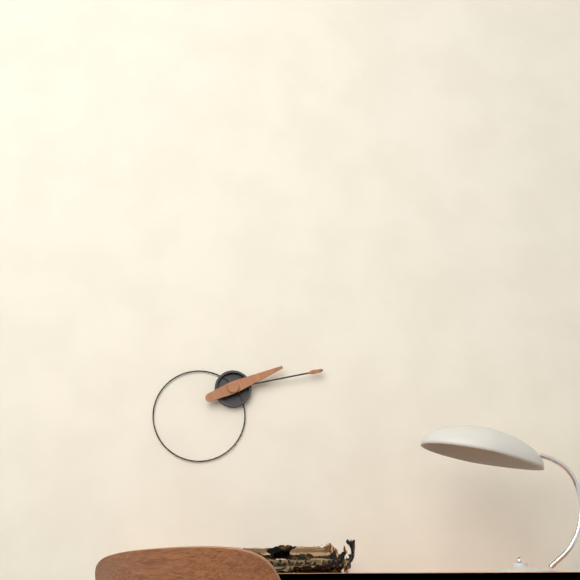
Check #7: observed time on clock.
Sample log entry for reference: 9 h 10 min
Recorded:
2 h 13 min
